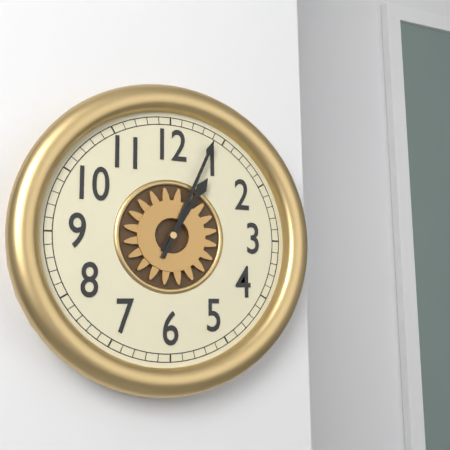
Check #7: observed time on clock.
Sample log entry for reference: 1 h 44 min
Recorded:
1 h 04 min
